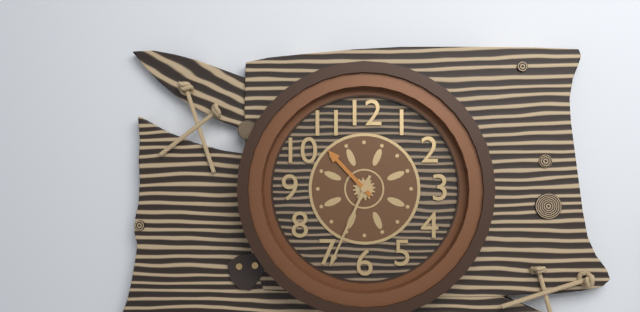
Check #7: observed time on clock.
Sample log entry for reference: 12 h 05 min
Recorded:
10 h 34 min
